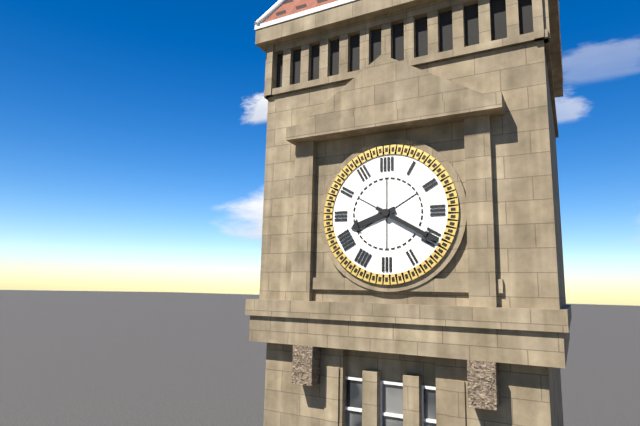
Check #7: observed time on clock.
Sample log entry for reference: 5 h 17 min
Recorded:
8 h 20 min
